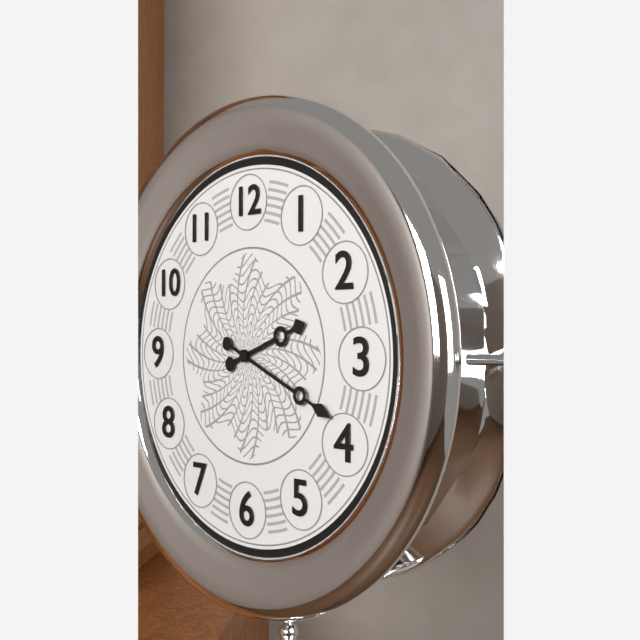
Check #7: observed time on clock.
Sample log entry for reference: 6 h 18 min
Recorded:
2 h 19 min
